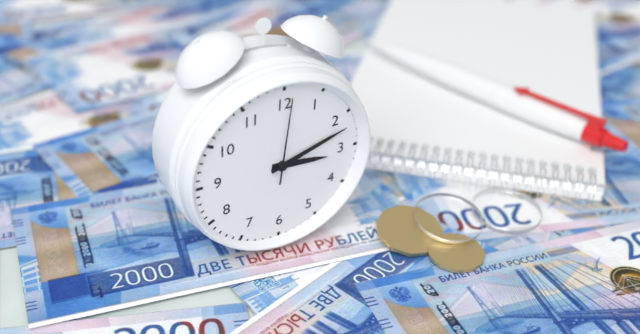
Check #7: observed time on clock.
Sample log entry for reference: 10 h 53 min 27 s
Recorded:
3 h 12 min 01 s
